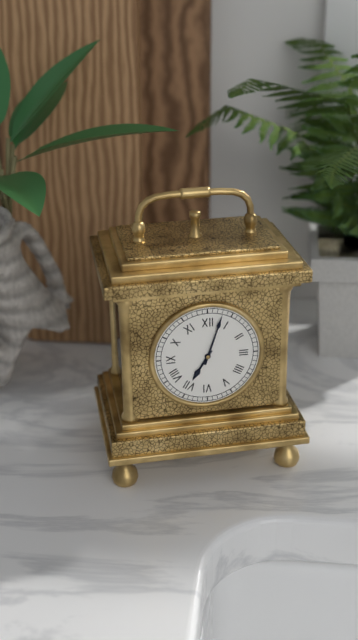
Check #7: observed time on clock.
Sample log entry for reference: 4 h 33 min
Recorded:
7 h 03 min
